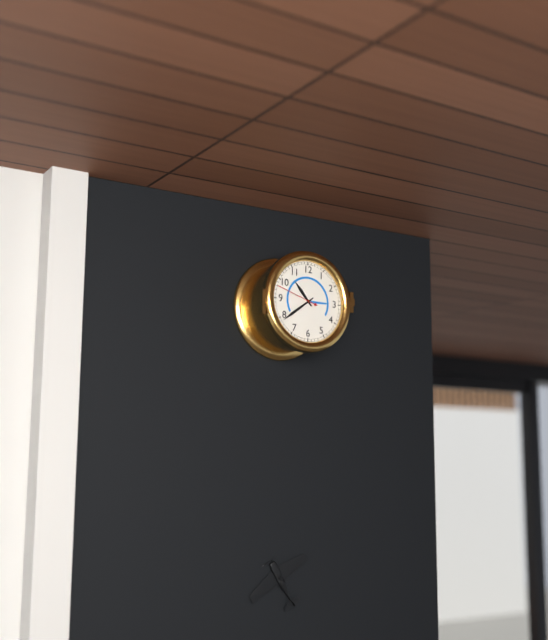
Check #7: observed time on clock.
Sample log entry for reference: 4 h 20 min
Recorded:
10 h 39 min
